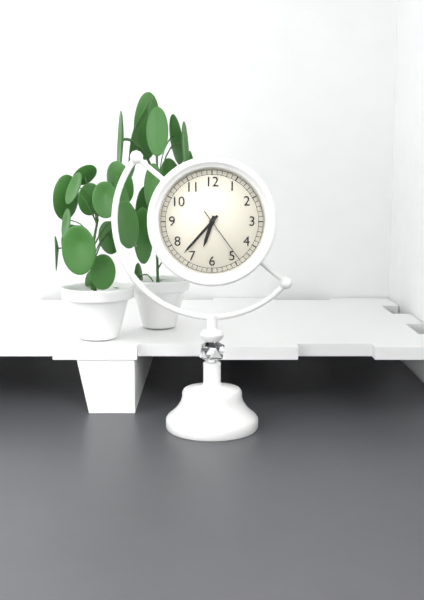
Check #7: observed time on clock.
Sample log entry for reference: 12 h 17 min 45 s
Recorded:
6 h 37 min 24 s
